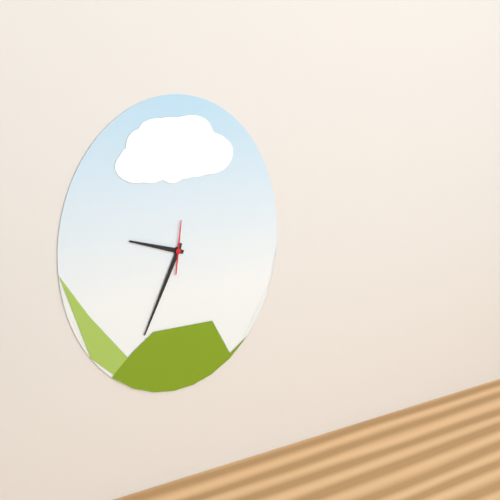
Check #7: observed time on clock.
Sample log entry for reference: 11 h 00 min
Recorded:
9 h 34 min
